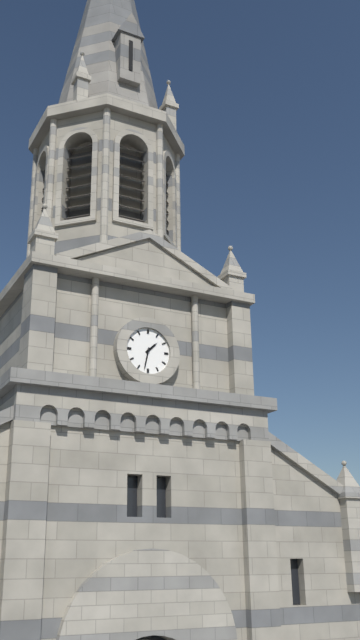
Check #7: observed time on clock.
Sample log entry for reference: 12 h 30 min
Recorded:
1 h 32 min
